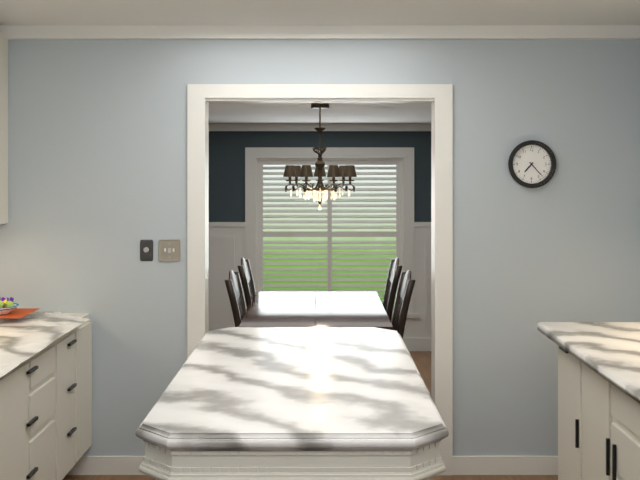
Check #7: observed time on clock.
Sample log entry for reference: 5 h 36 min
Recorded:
7 h 23 min
